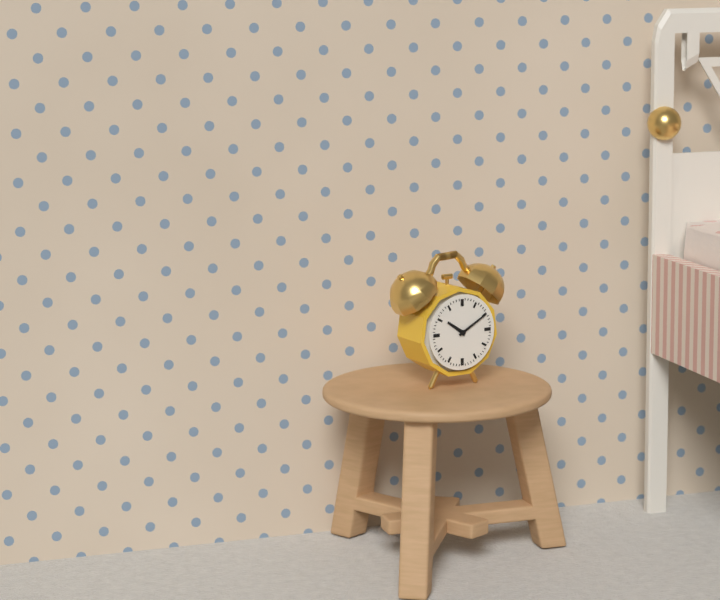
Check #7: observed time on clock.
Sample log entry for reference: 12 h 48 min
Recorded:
10 h 10 min
